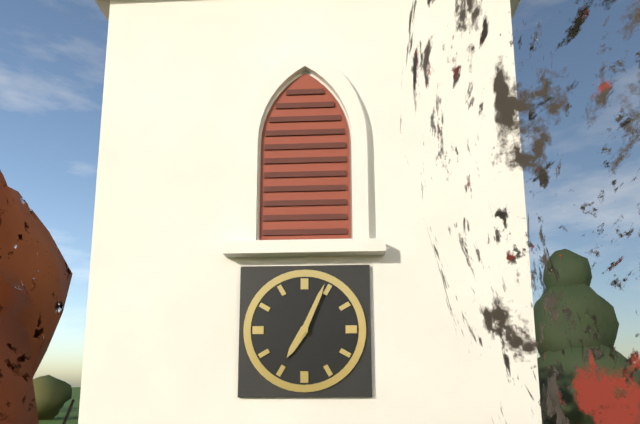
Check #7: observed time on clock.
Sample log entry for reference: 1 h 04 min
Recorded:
7 h 04 min
